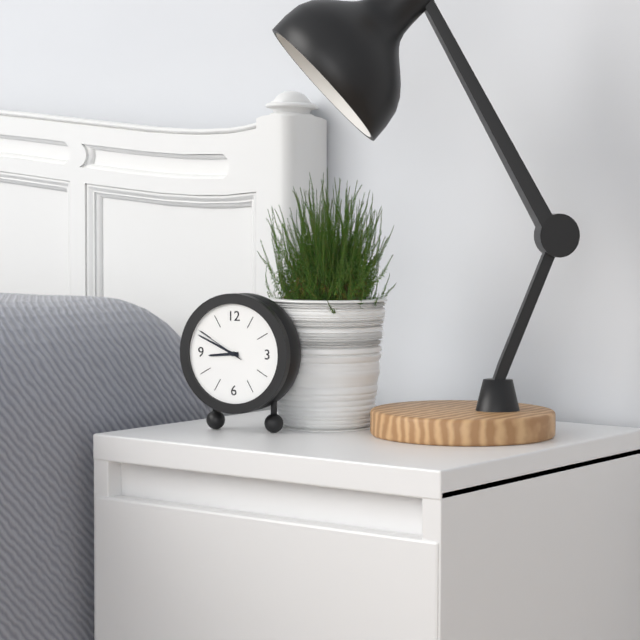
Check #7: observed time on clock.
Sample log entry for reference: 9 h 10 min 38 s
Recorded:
8 h 49 min 50 s
